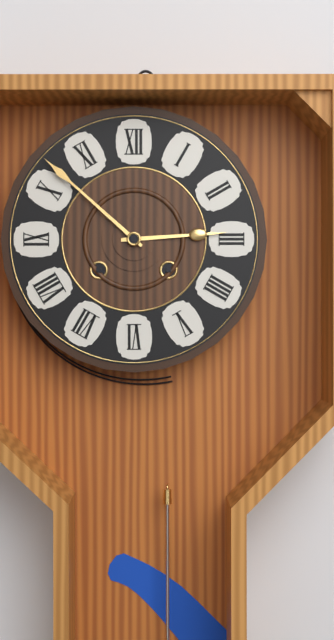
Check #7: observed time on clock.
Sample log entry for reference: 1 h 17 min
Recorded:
2 h 52 min
